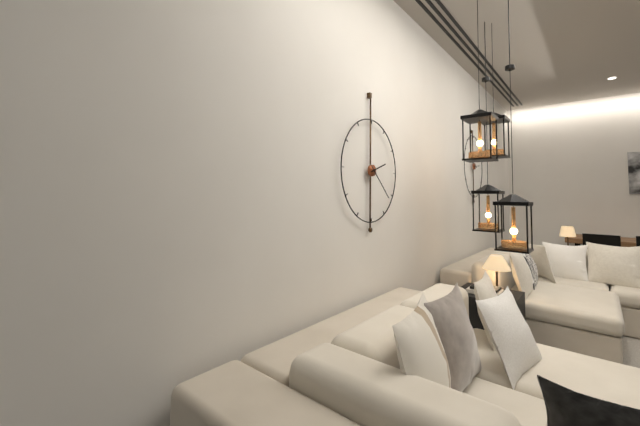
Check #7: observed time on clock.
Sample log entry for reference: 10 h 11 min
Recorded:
2 h 22 min
